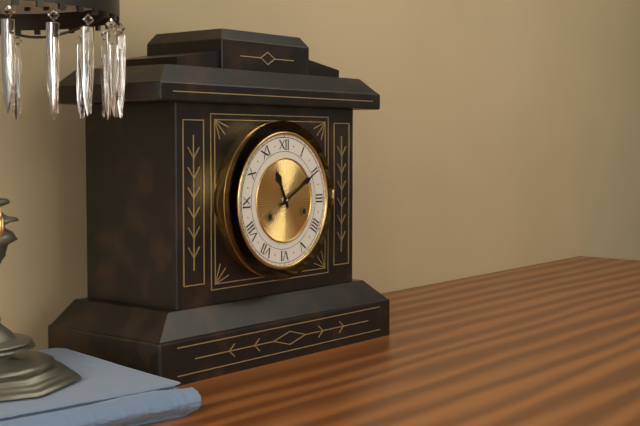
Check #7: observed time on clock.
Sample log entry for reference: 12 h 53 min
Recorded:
11 h 10 min
